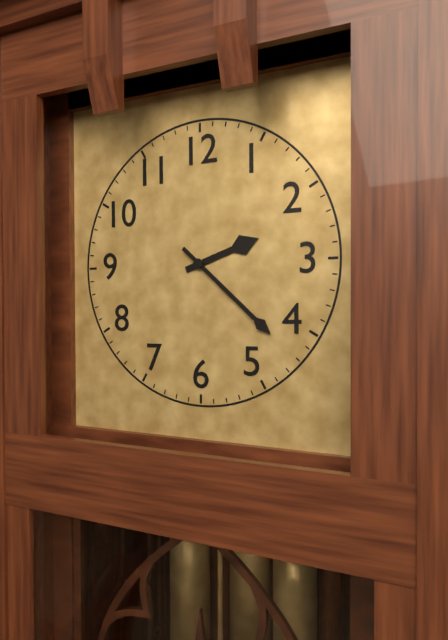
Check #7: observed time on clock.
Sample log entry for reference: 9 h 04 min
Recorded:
2 h 22 min
